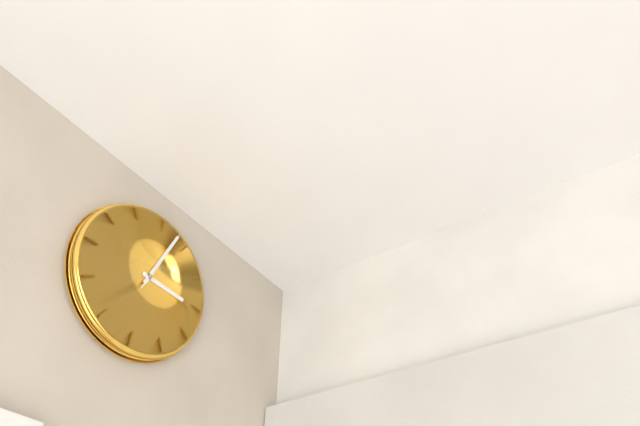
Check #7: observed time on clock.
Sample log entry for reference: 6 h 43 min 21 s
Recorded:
3 h 03 min 03 s
